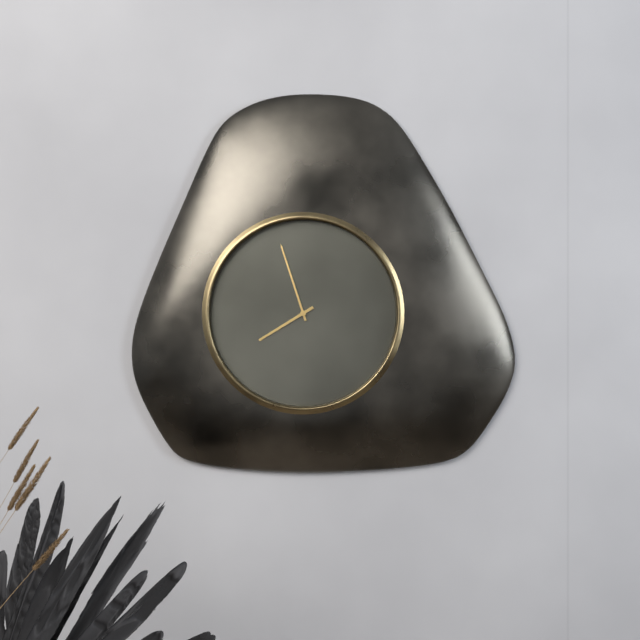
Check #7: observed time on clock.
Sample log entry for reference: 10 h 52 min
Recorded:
7 h 57 min
